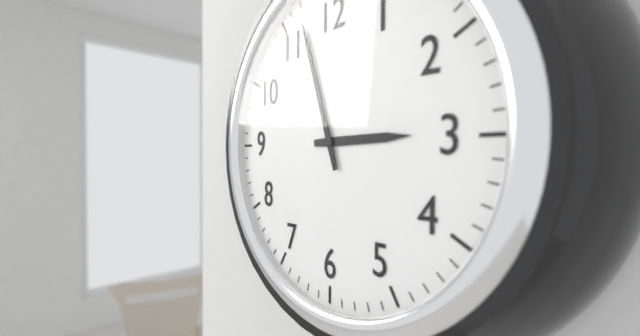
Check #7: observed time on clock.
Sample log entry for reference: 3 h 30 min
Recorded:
2 h 57 min
